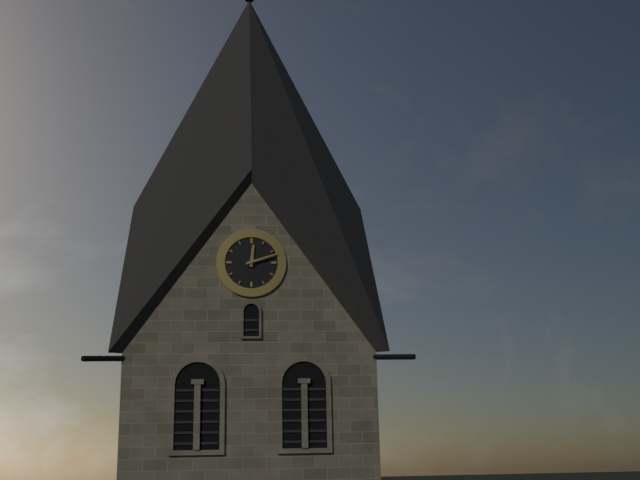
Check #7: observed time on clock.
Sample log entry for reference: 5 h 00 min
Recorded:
12 h 12 min
